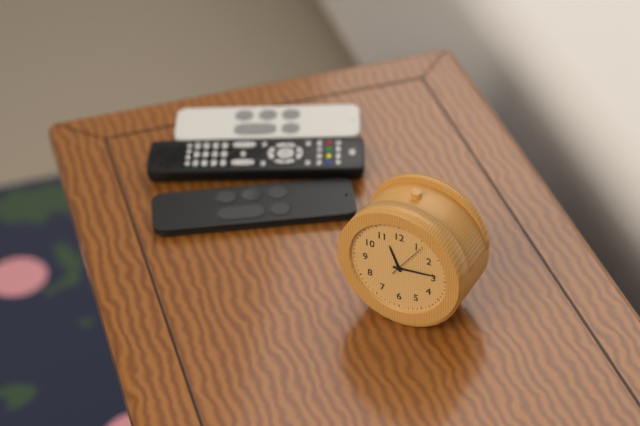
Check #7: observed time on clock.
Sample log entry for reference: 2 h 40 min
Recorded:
11 h 14 min
